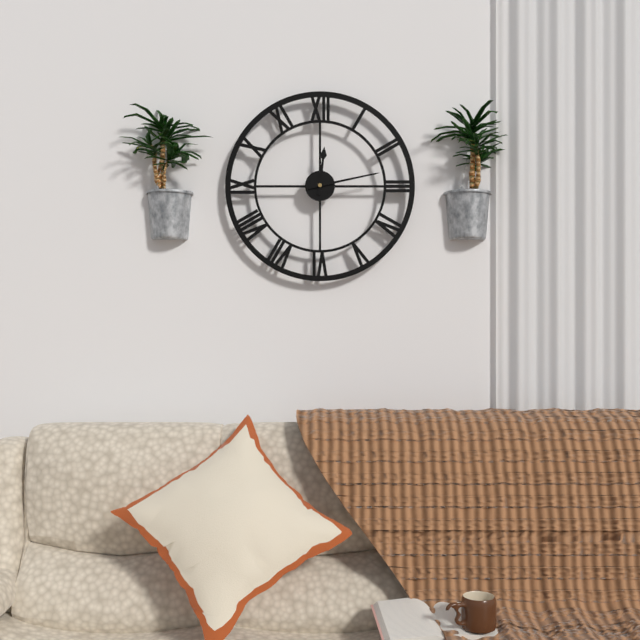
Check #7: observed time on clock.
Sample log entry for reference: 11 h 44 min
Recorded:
12 h 13 min
